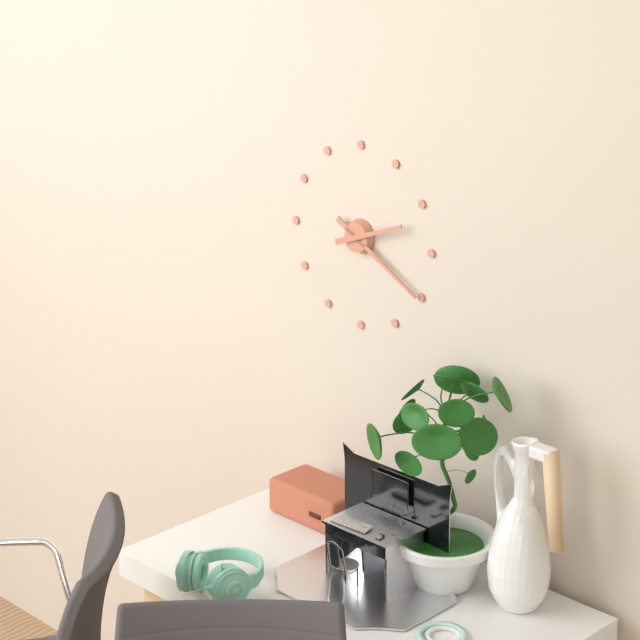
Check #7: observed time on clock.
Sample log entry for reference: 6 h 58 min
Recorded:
2 h 20 min
